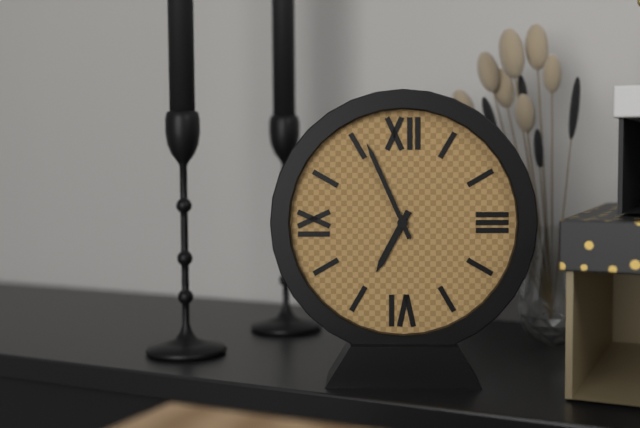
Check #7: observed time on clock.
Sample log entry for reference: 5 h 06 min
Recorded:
6 h 56 min
